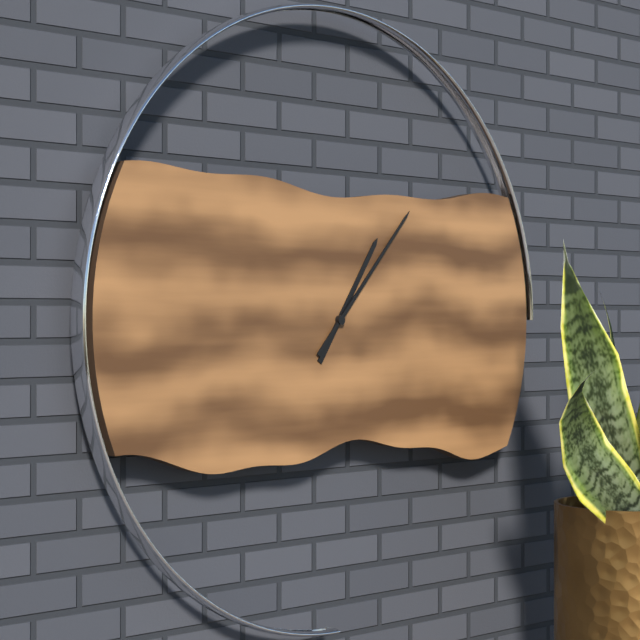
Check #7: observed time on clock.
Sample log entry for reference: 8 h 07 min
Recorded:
1 h 07 min
